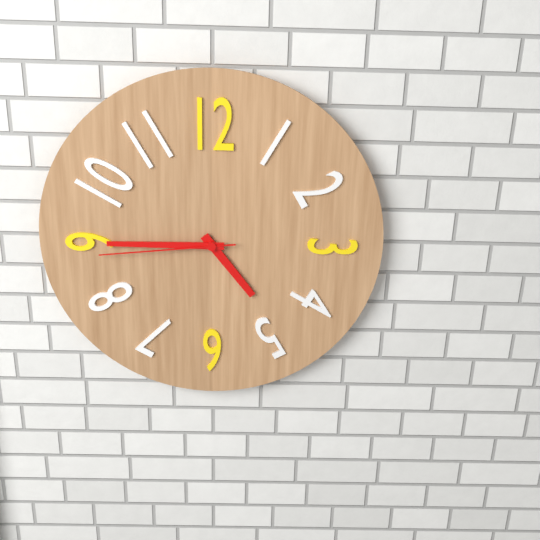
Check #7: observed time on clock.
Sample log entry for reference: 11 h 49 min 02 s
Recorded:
4 h 45 min 44 s
